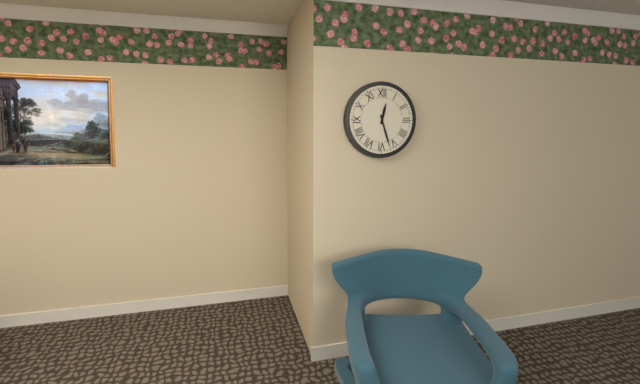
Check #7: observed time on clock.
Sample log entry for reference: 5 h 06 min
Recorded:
12 h 27 min
